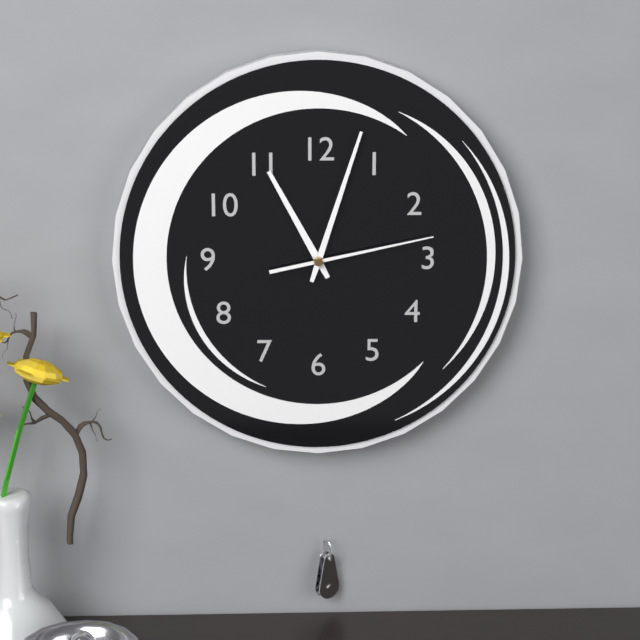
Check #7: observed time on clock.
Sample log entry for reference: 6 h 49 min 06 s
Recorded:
11 h 03 min 13 s
